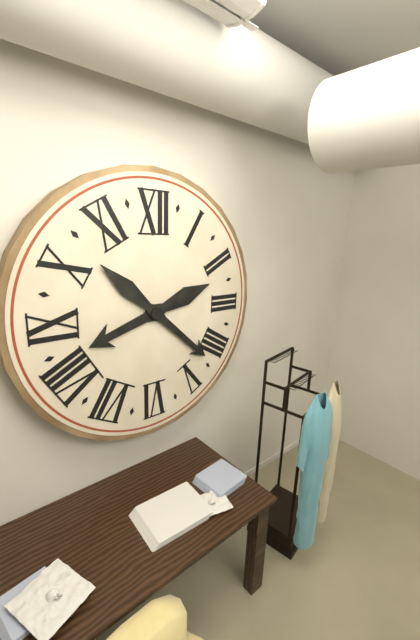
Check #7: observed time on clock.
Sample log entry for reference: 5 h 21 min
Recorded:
8 h 22 min
